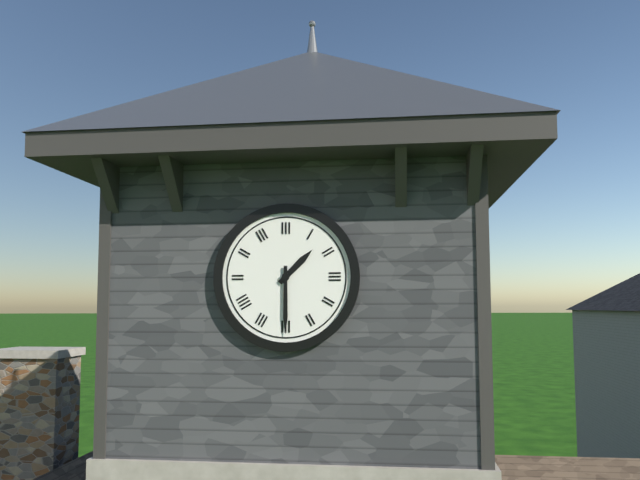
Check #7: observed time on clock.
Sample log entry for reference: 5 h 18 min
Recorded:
1 h 30 min
